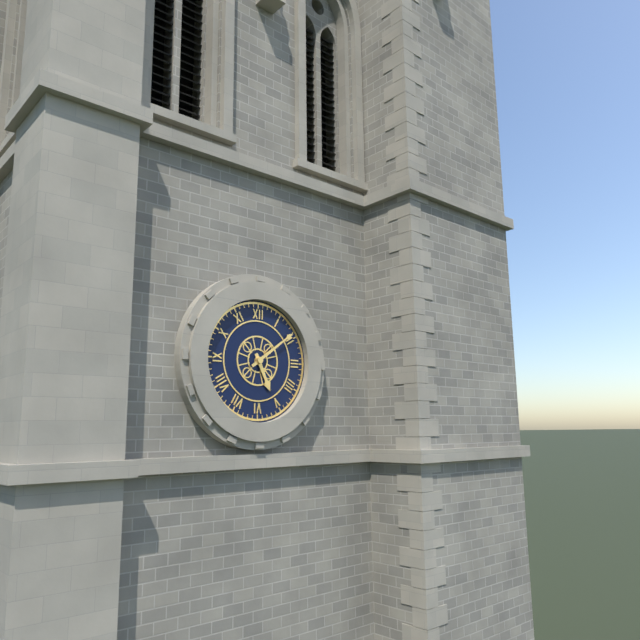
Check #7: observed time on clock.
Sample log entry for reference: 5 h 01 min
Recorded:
5 h 09 min
